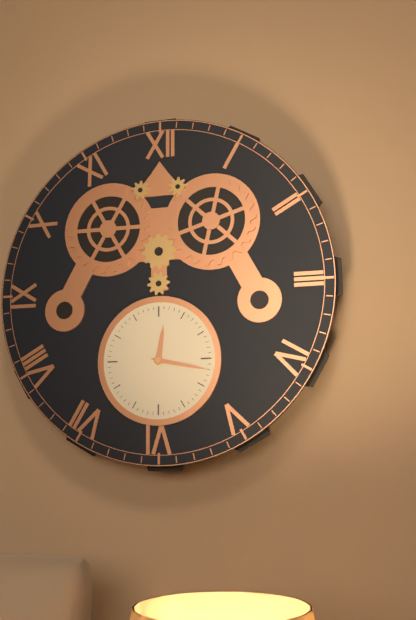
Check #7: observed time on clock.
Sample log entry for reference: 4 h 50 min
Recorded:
12 h 17 min
